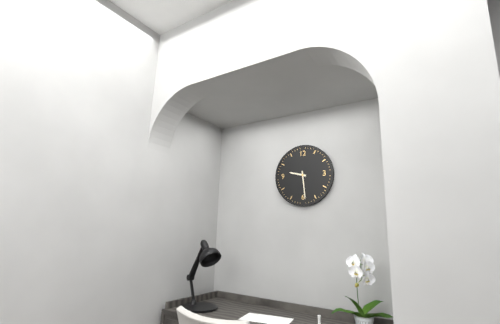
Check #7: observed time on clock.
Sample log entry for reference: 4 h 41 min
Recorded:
9 h 29 min
